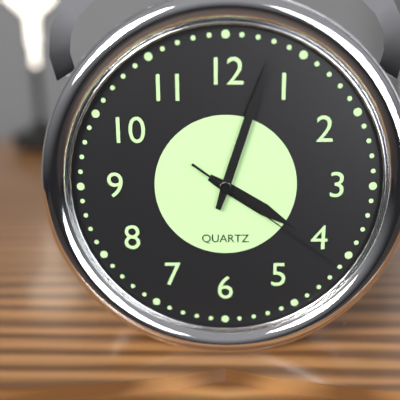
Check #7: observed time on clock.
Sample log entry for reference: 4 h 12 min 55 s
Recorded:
4 h 03 min 21 s
